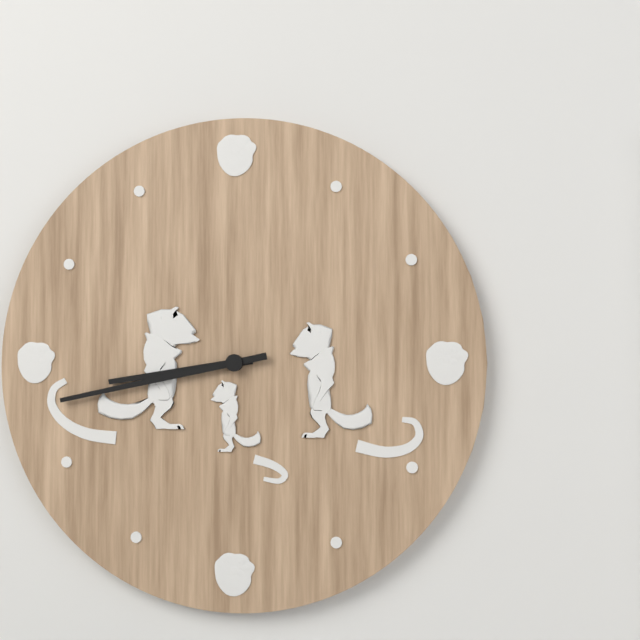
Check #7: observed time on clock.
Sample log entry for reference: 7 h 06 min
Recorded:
8 h 43 min
